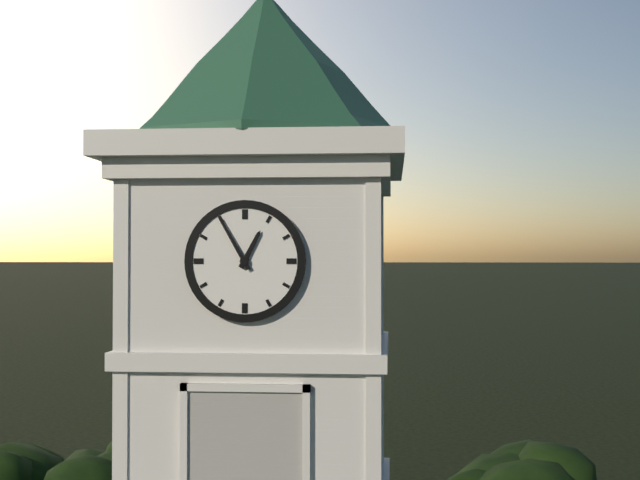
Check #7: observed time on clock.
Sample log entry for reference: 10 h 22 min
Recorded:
12 h 55 min
